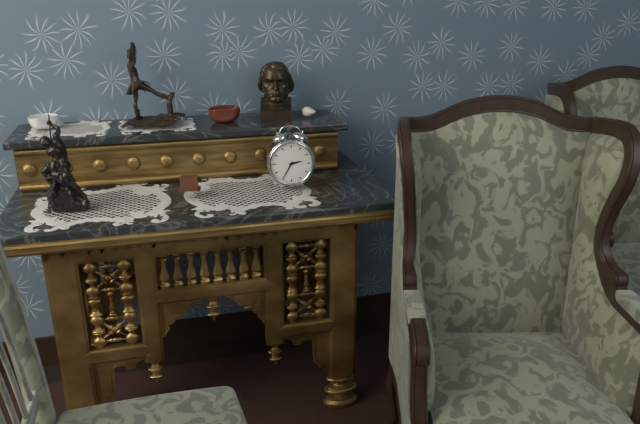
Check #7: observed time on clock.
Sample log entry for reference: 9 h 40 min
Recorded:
2 h 35 min
